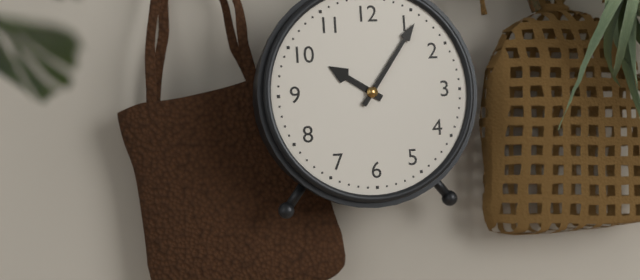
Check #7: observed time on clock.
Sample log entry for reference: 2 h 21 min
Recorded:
10 h 06 min
